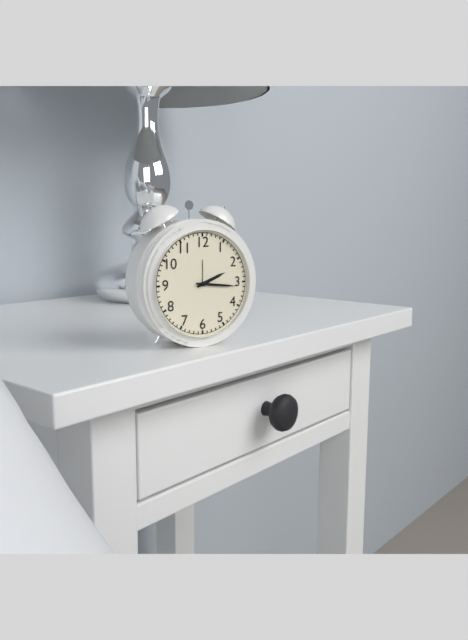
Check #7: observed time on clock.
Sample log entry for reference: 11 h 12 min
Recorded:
2 h 16 min
